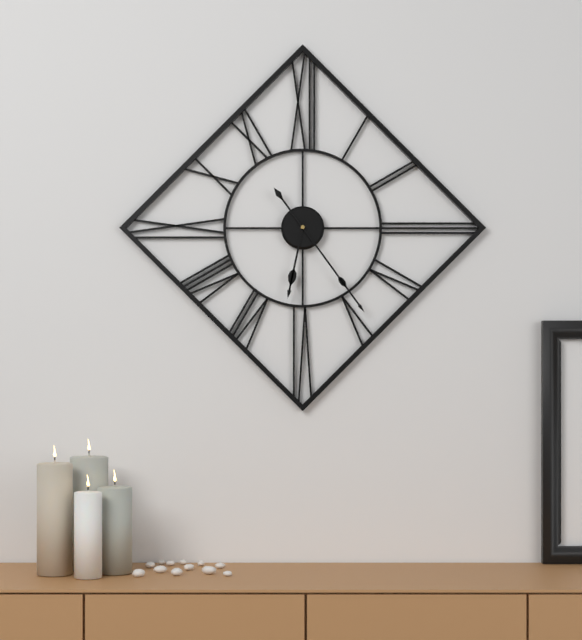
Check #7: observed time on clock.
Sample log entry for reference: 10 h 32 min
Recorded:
6 h 24 min
